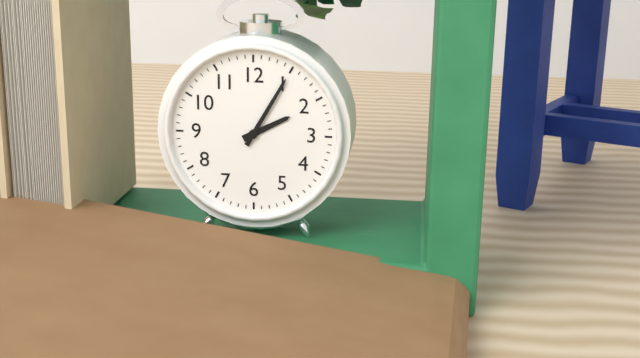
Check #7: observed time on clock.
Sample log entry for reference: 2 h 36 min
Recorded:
2 h 05 min
